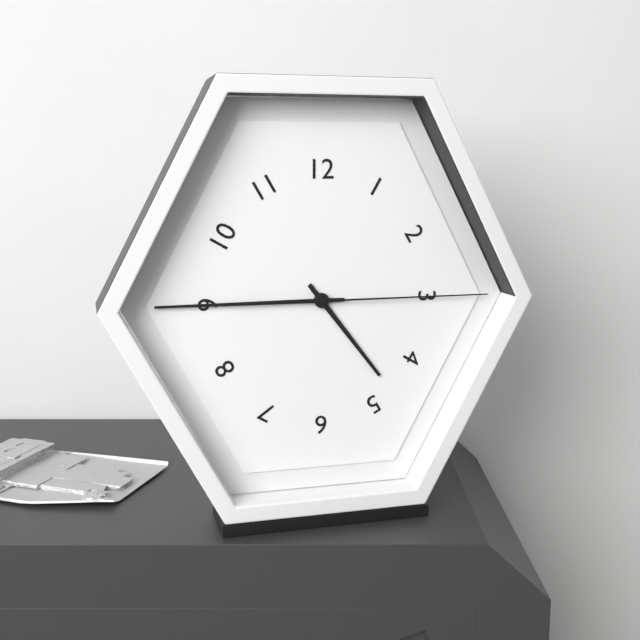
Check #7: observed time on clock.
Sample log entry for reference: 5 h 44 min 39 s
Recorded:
4 h 45 min 15 s
